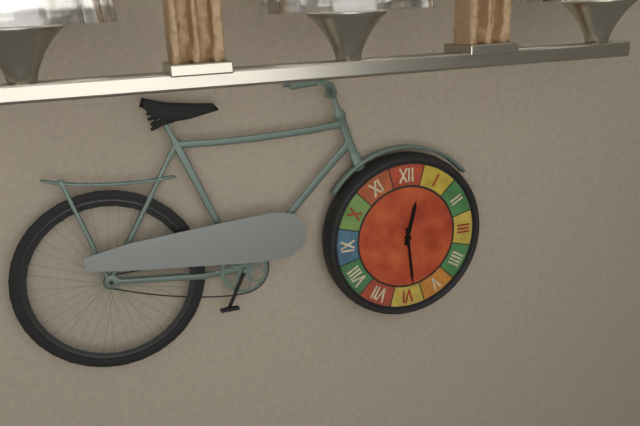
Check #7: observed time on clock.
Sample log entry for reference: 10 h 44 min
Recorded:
12 h 29 min
